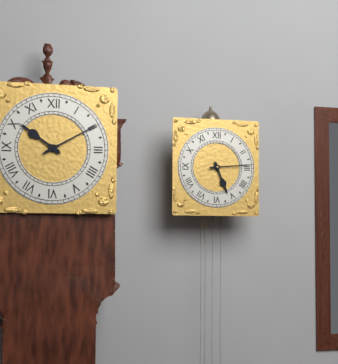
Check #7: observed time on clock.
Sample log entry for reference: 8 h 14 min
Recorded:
5 h 14 min
